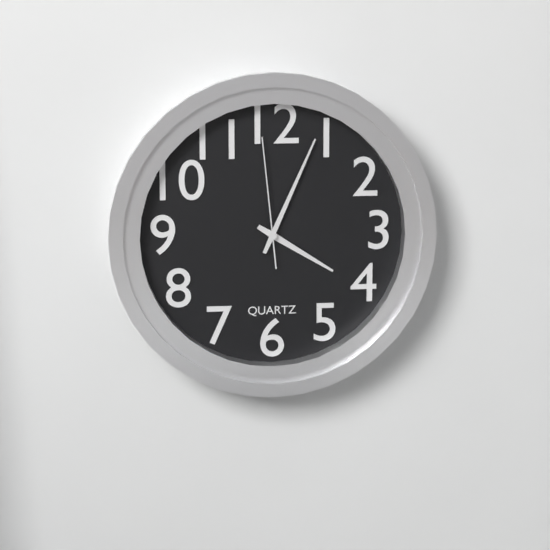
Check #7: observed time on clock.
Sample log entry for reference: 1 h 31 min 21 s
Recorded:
4 h 04 min 59 s
